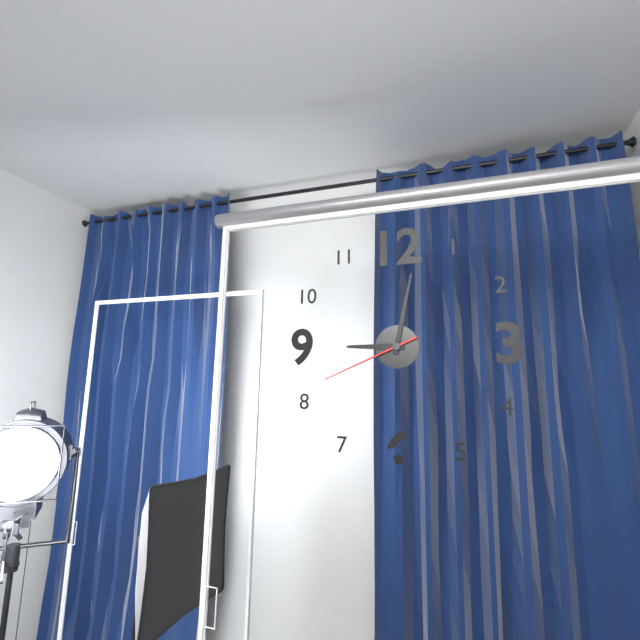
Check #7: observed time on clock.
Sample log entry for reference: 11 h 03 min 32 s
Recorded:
9 h 02 min 41 s
